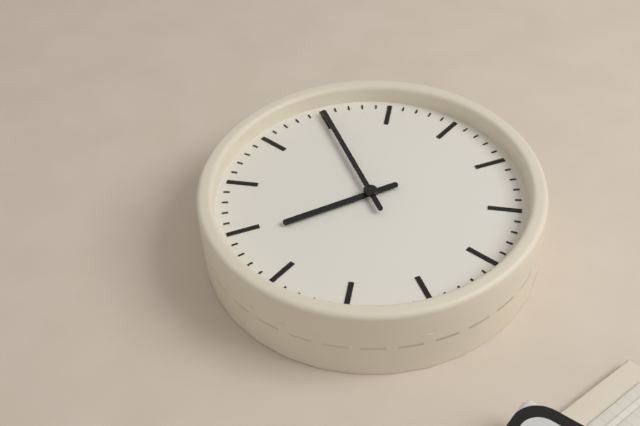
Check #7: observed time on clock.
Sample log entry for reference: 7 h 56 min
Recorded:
6 h 50 min
